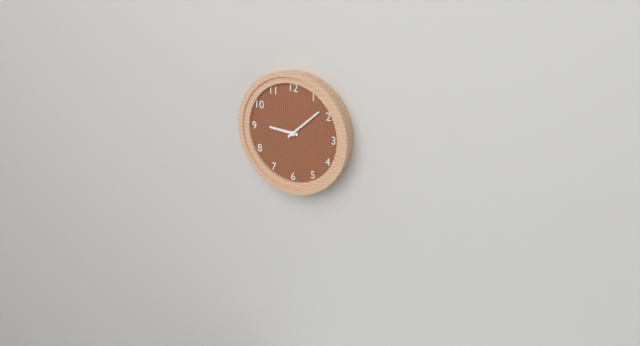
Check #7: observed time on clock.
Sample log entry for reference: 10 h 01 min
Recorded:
9 h 08 min
